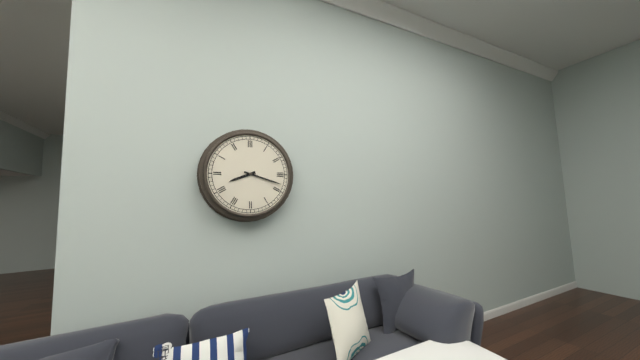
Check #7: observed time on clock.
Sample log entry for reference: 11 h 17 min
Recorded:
8 h 18 min
